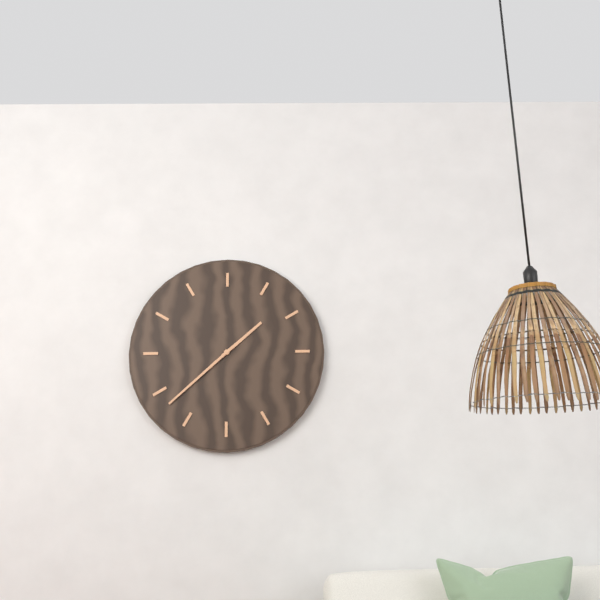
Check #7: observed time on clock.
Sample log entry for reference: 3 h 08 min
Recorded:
1 h 38 min
